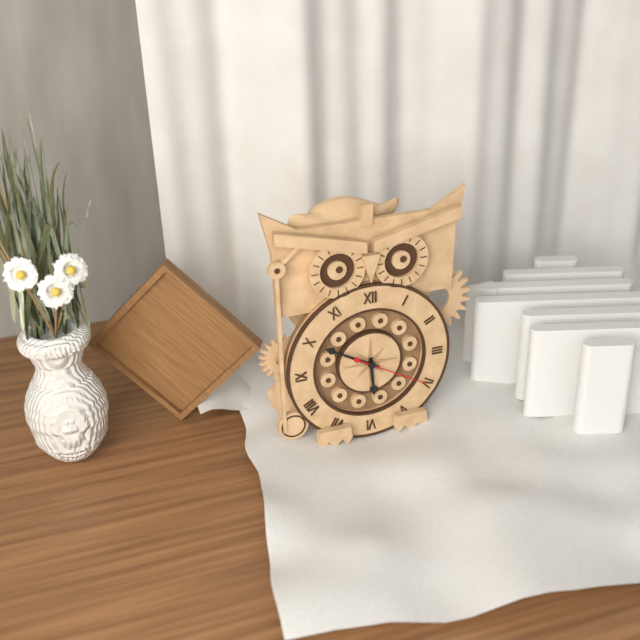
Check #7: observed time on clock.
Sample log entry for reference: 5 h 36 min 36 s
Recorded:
5 h 50 min 20 s
